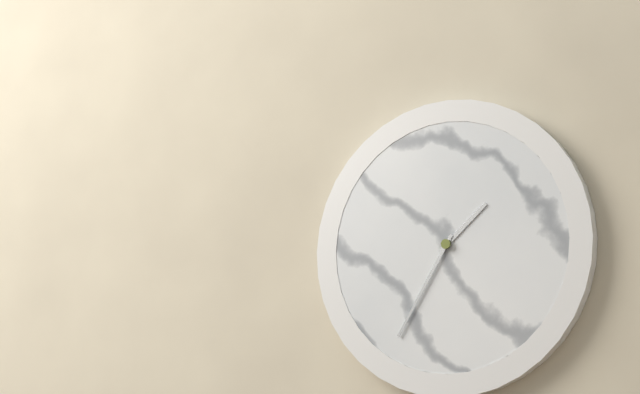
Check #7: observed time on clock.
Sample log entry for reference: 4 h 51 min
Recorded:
1 h 35 min
